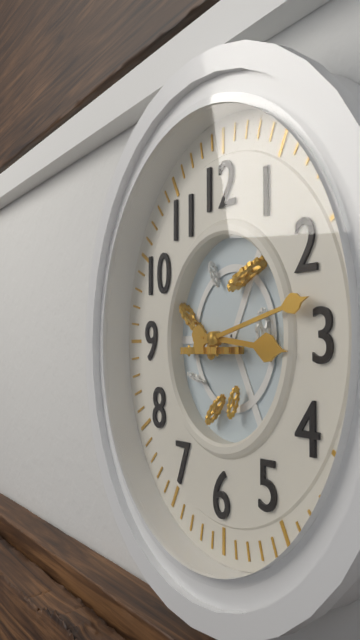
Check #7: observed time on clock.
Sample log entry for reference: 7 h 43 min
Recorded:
3 h 13 min
